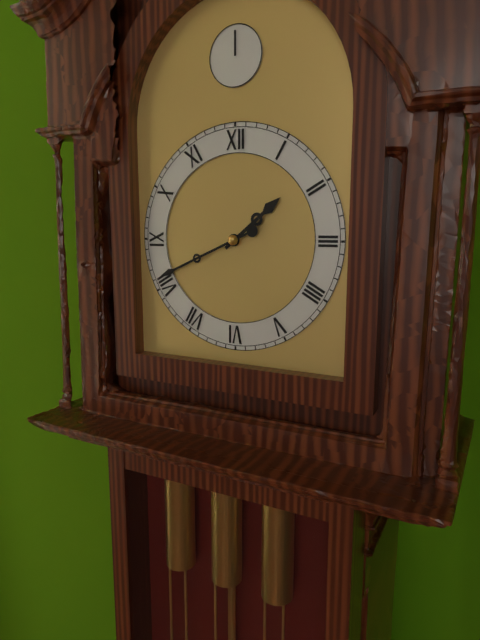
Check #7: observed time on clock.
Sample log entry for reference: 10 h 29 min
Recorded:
1 h 41 min
